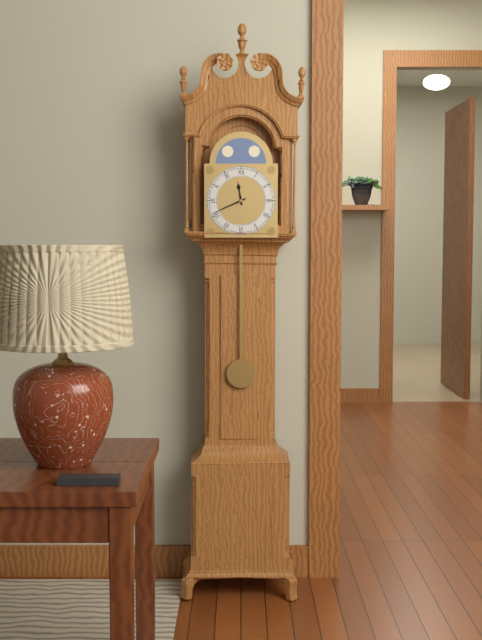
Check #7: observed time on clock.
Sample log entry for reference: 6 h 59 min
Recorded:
11 h 41 min
